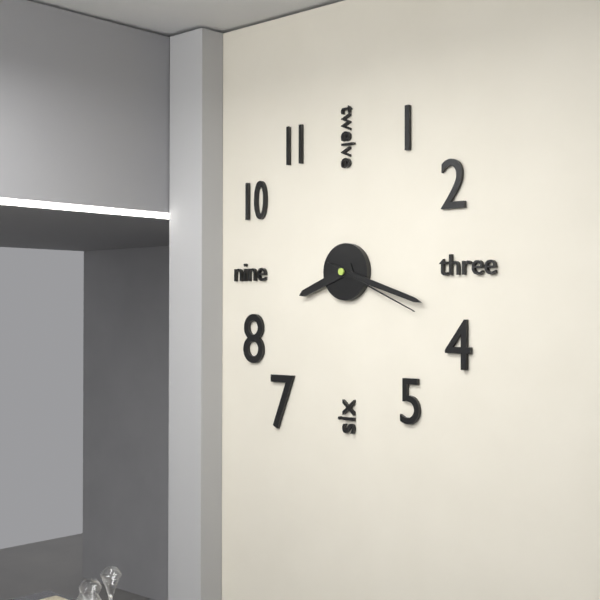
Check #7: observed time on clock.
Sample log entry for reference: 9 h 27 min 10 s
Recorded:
8 h 18 min 19 s
